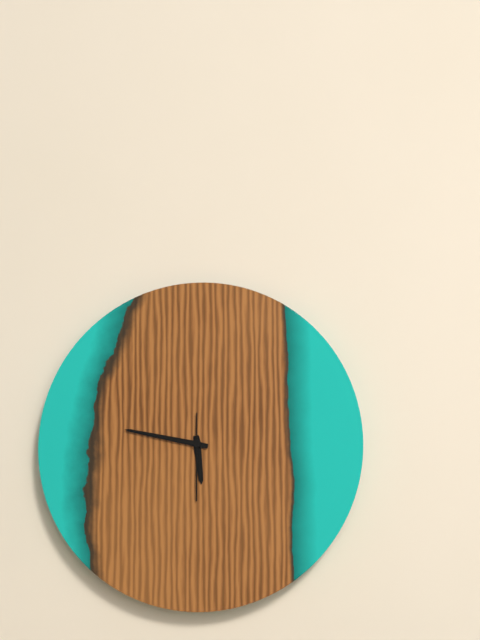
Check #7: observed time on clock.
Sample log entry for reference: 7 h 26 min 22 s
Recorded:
5 h 47 min 30 s
